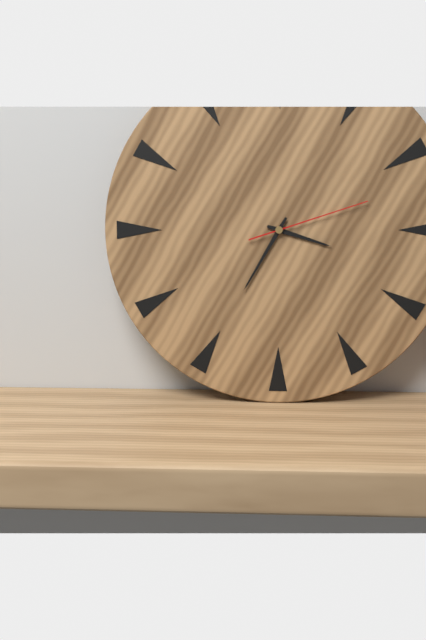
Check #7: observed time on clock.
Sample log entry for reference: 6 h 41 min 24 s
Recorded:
3 h 35 min 12 s
